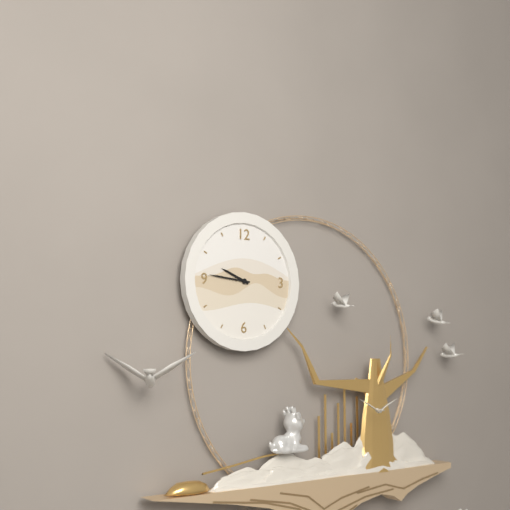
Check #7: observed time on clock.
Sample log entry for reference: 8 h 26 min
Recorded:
9 h 46 min
